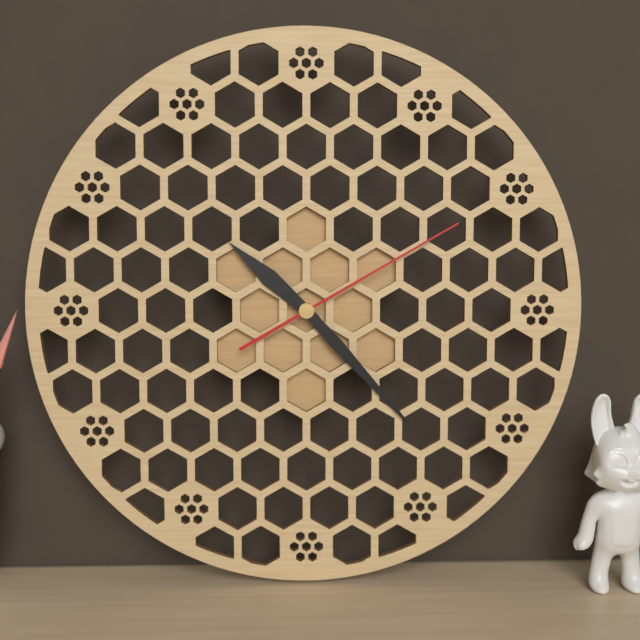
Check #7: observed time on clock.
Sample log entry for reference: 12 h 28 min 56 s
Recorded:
10 h 23 min 10 s
